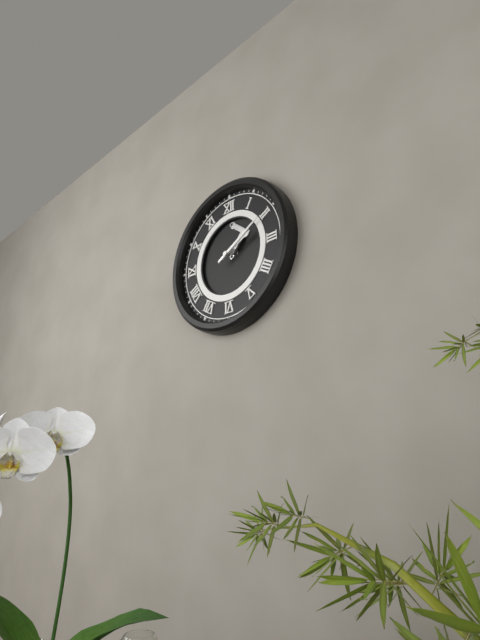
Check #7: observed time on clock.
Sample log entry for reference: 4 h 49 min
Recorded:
2 h 10 min
